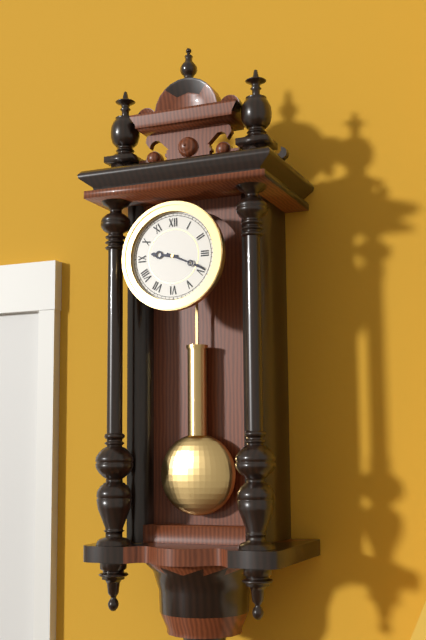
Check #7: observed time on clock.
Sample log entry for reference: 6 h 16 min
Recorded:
9 h 19 min
